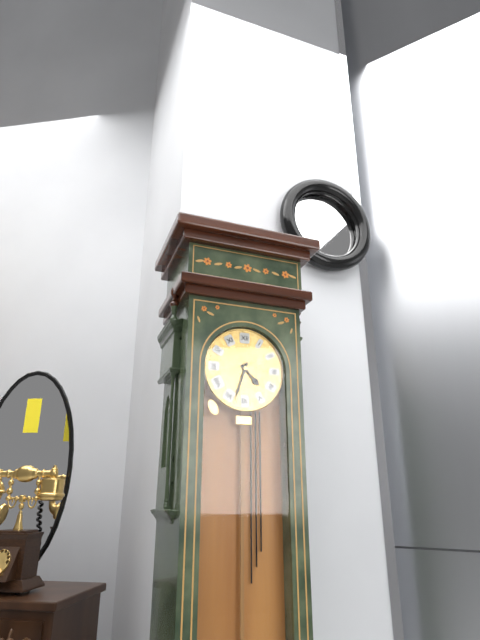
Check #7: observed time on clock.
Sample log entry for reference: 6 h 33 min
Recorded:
4 h 33 min
